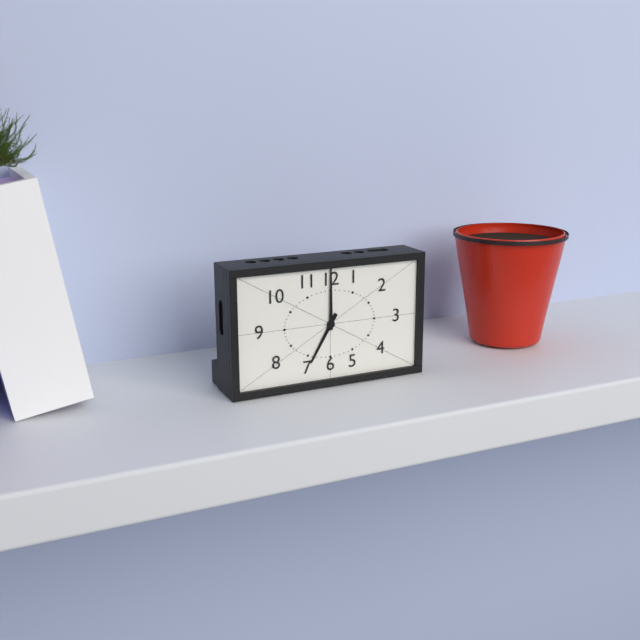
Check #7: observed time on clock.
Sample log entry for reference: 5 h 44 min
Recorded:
7 h 00 min
